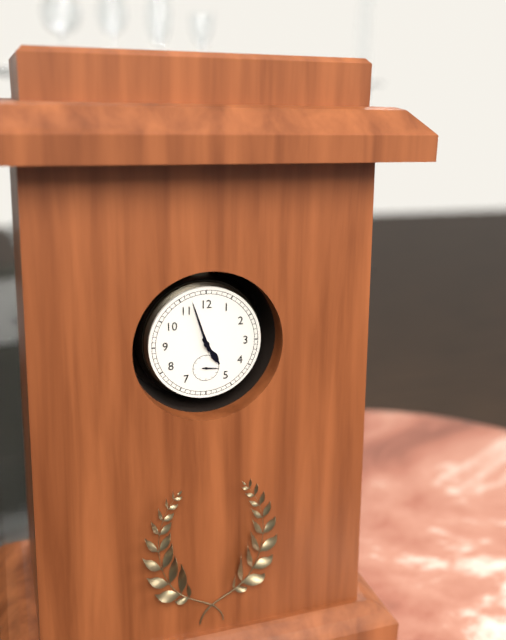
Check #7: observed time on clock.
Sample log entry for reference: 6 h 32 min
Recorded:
4 h 57 min
